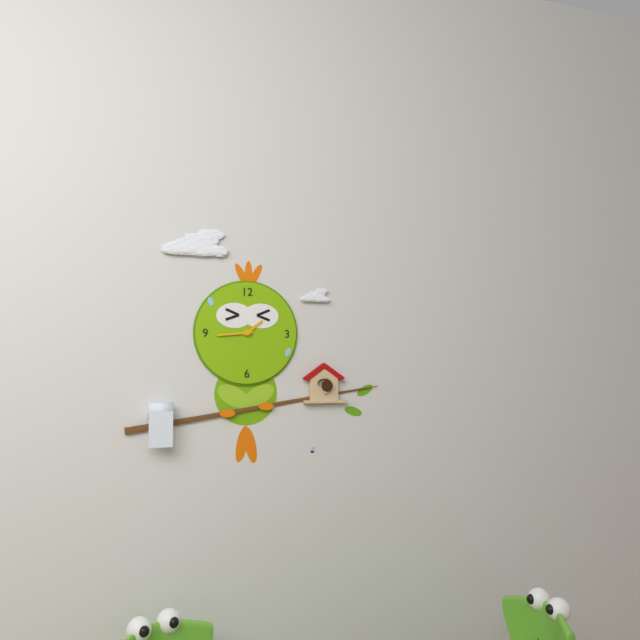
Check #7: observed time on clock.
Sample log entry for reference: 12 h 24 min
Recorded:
1 h 44 min
